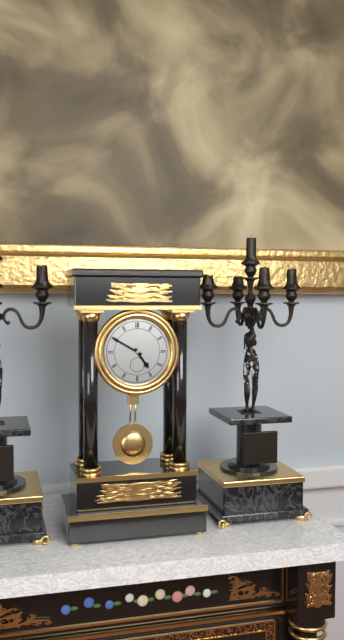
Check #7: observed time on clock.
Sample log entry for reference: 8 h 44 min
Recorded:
4 h 50 min
